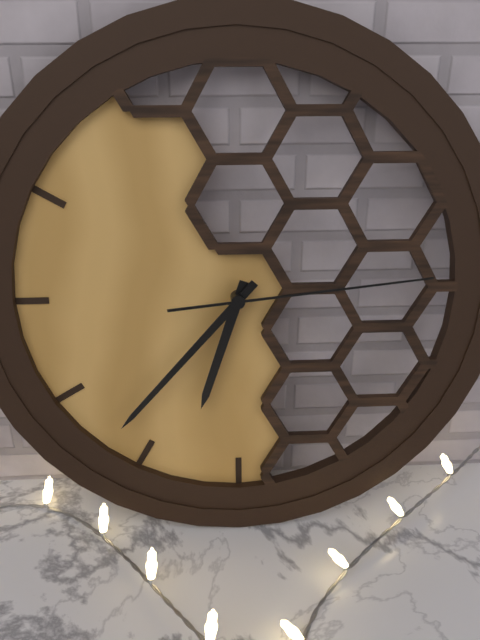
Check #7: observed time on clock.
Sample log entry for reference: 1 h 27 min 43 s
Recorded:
6 h 37 min 14 s
